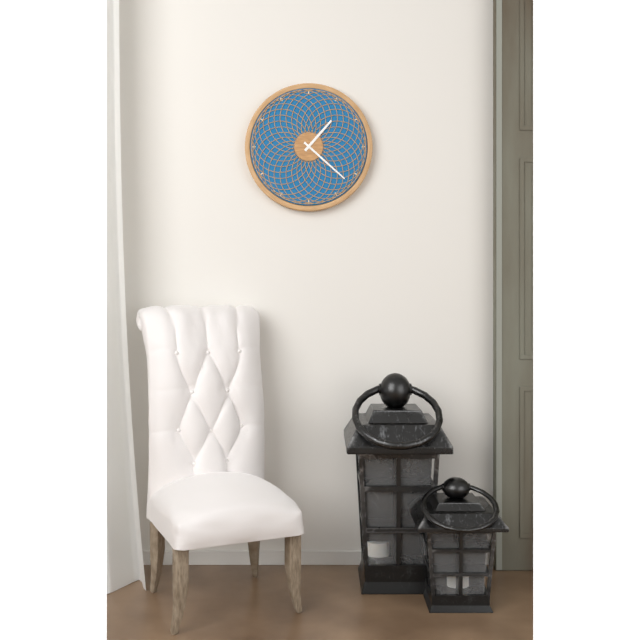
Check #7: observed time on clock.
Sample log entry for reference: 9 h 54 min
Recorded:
1 h 22 min
